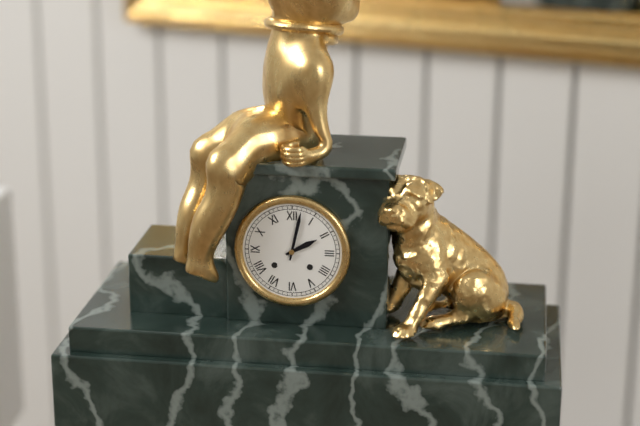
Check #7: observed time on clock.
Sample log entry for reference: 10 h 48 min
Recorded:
2 h 02 min
